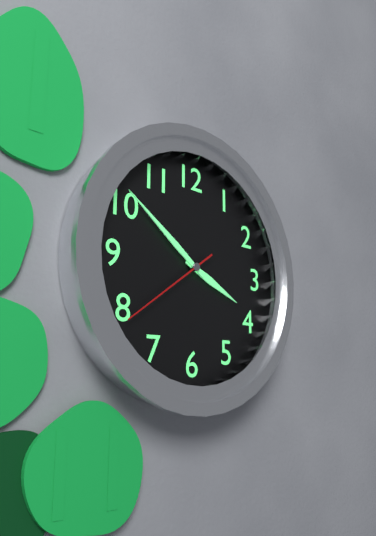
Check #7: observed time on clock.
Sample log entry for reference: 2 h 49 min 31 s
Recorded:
3 h 51 min 39 s
